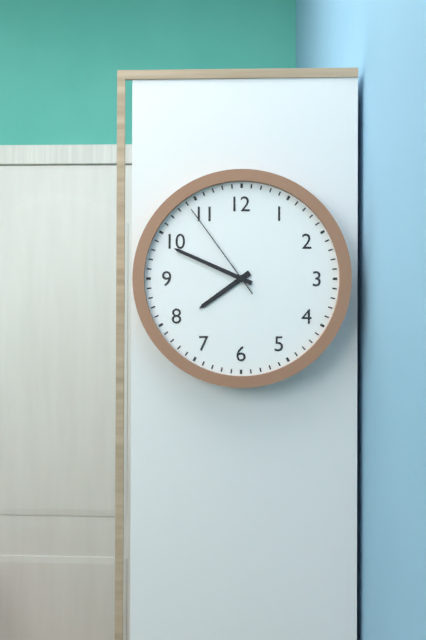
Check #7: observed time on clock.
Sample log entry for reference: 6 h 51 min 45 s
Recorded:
7 h 49 min 54 s
